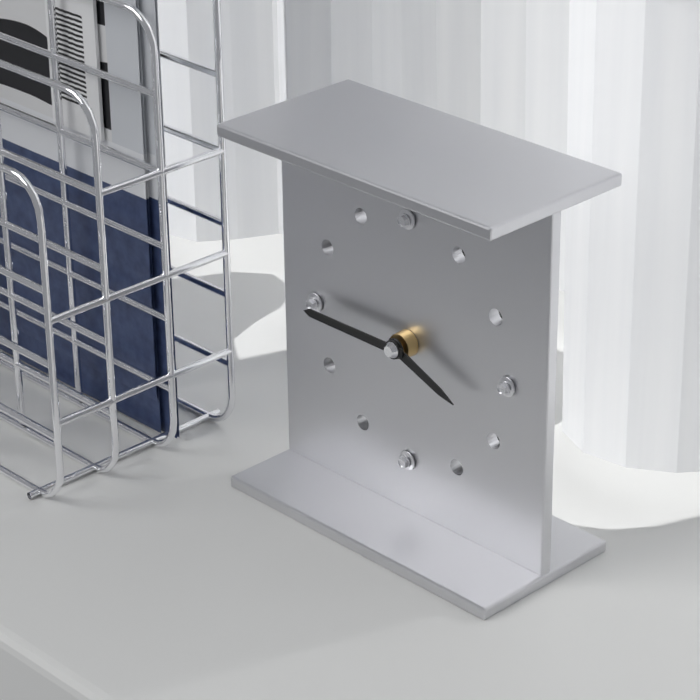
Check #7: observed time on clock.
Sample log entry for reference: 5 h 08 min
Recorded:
3 h 45 min
